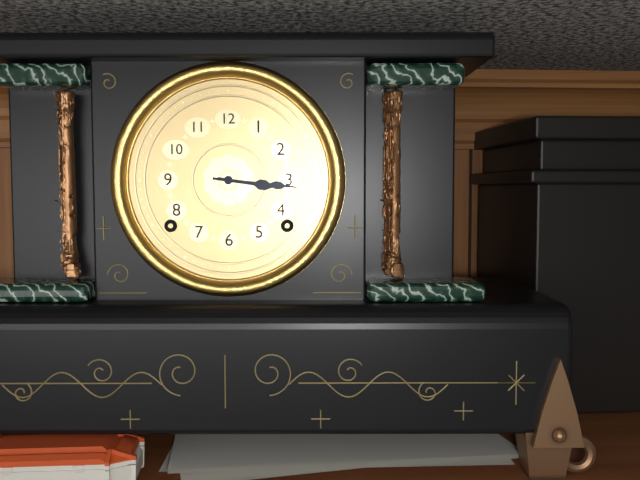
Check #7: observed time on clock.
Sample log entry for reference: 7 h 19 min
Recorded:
3 h 16 min
